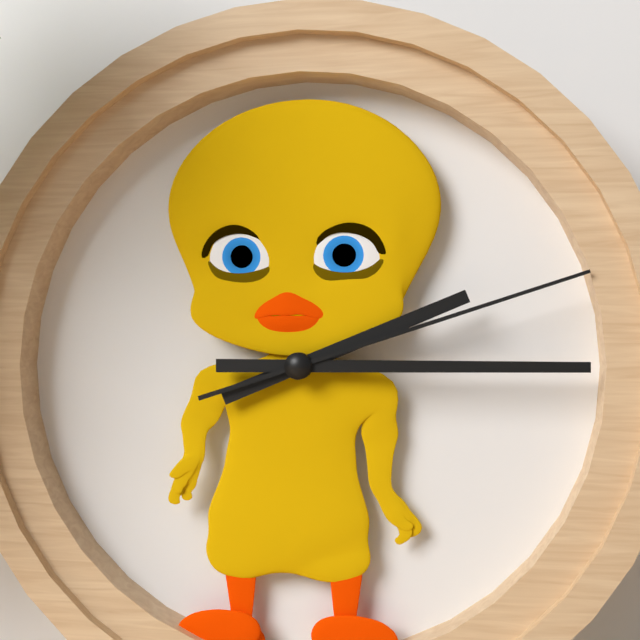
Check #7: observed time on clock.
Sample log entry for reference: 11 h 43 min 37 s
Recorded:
2 h 15 min 12 s
